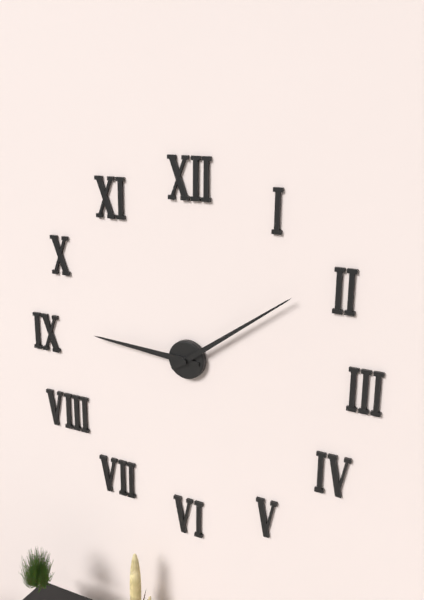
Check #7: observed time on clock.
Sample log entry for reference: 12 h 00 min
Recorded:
9 h 09 min
